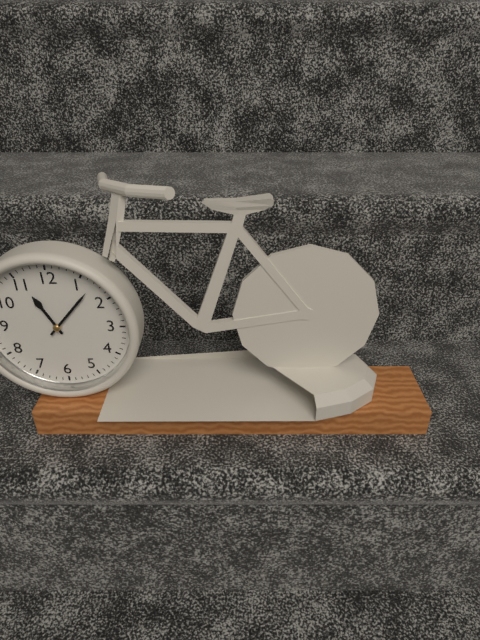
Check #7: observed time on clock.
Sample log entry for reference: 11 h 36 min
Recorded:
11 h 07 min
